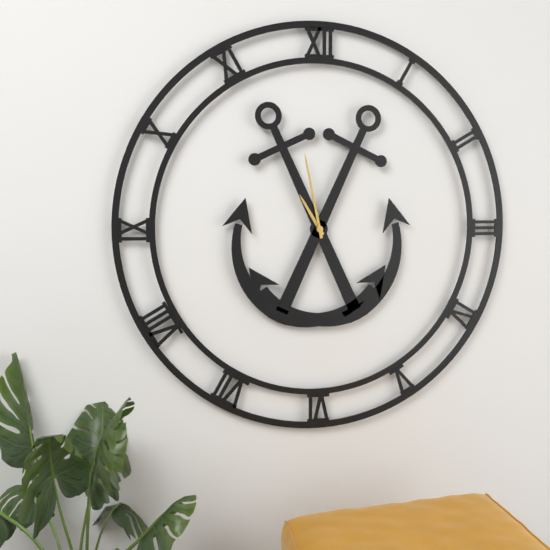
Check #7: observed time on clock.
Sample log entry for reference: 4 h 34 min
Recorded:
10 h 58 min
